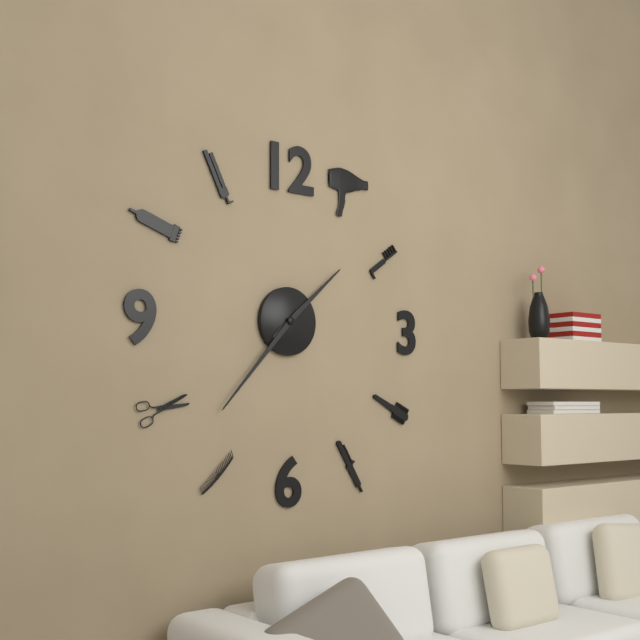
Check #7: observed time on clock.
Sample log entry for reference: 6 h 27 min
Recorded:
1 h 37 min
